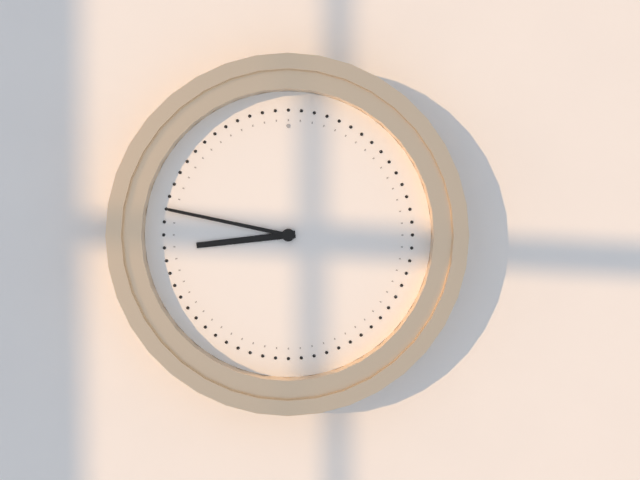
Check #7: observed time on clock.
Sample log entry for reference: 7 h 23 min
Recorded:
8 h 47 min
